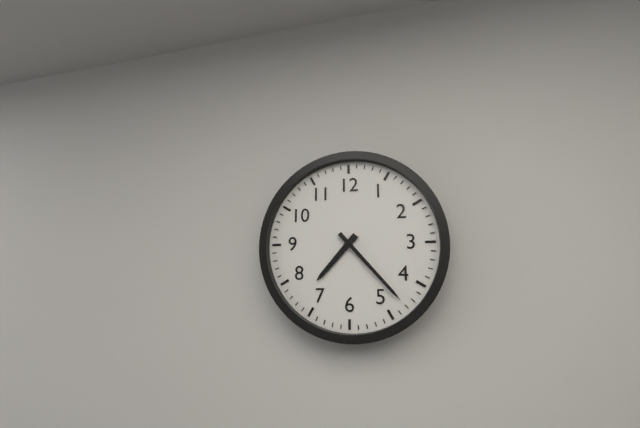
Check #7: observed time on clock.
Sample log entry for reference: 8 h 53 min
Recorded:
7 h 23 min
